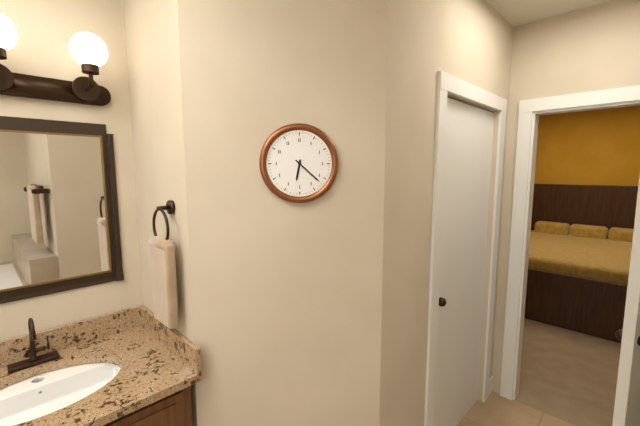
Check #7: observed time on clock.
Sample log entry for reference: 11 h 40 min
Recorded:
6 h 22 min
